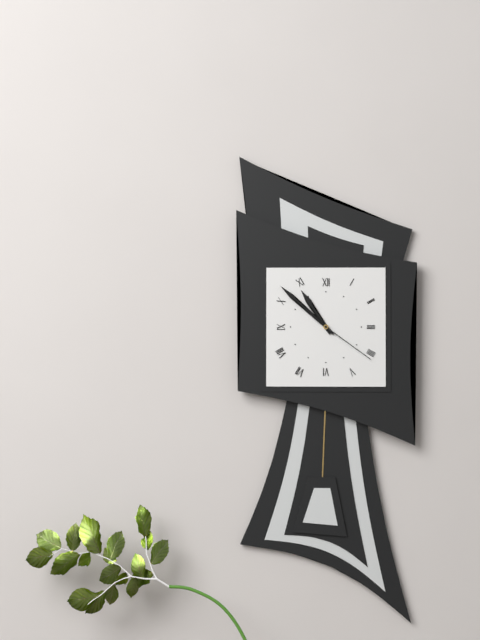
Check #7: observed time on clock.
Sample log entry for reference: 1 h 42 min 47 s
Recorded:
10 h 52 min 21 s
